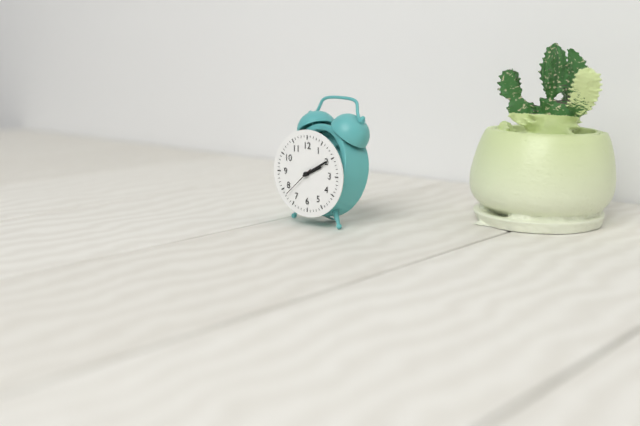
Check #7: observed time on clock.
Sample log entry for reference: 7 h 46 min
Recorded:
2 h 10 min
